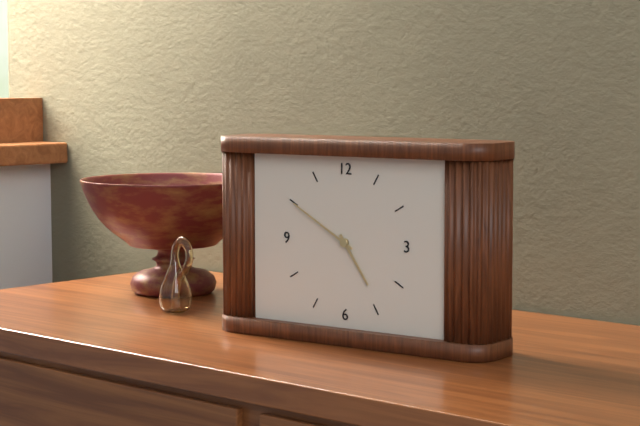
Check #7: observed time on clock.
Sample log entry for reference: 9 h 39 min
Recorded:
4 h 50 min
